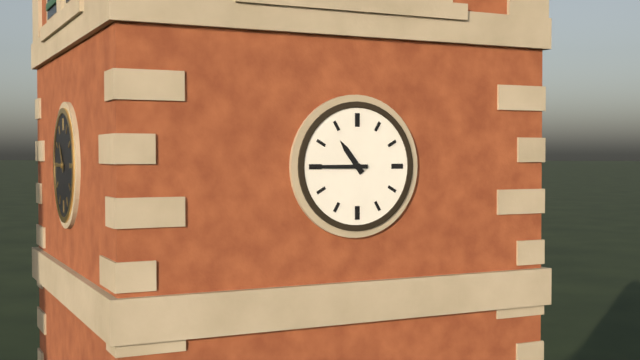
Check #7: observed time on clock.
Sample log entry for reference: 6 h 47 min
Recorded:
10 h 45 min
